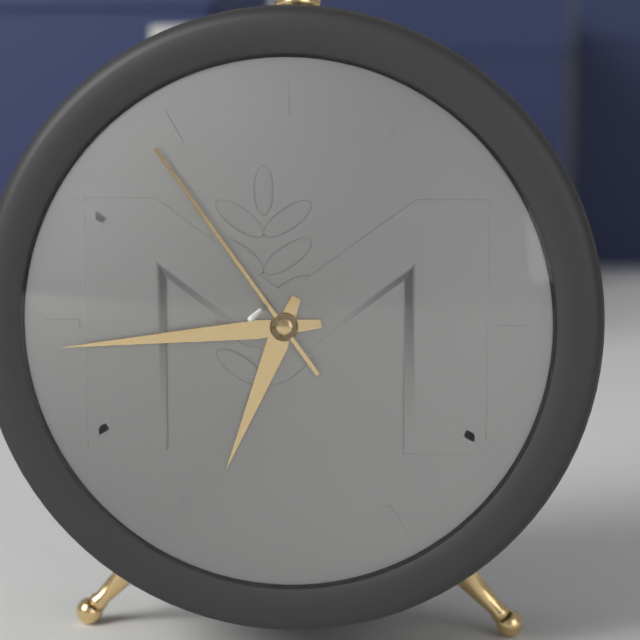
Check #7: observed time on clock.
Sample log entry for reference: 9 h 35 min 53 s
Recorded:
6 h 44 min 54 s
